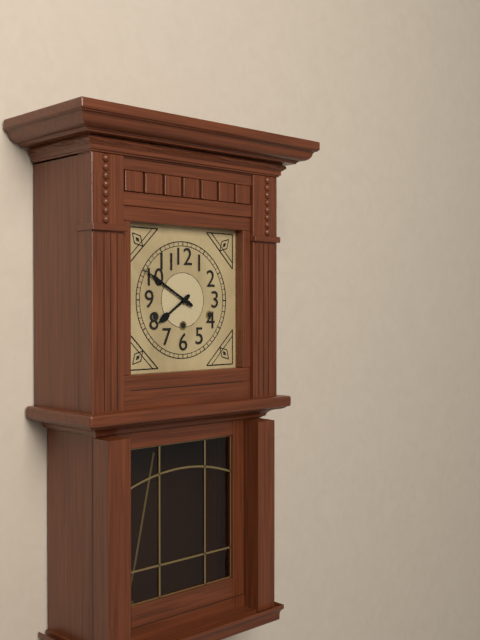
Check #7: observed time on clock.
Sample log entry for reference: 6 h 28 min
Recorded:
7 h 50 min
